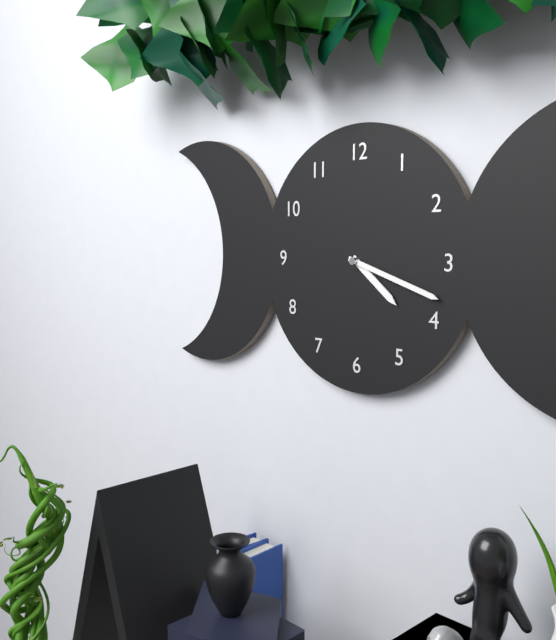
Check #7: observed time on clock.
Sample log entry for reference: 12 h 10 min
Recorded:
4 h 18 min
